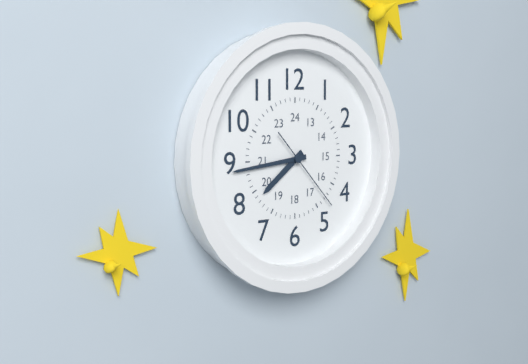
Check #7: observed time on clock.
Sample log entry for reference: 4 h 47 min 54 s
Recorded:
7 h 44 min 23 s
